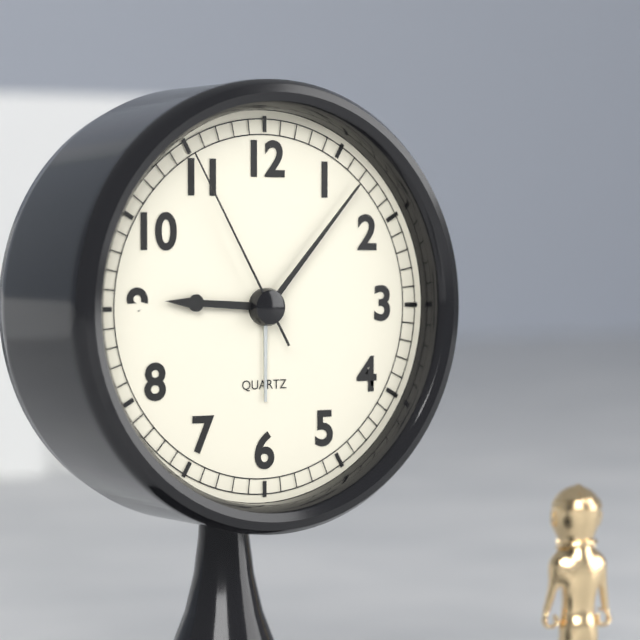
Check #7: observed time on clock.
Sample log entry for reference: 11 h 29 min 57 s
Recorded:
9 h 07 min 55 s
